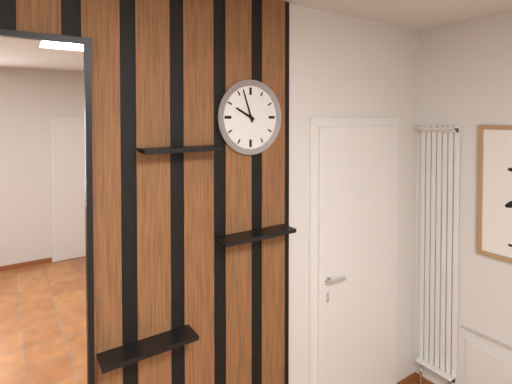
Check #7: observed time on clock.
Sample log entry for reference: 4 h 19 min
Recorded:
9 h 57 min
